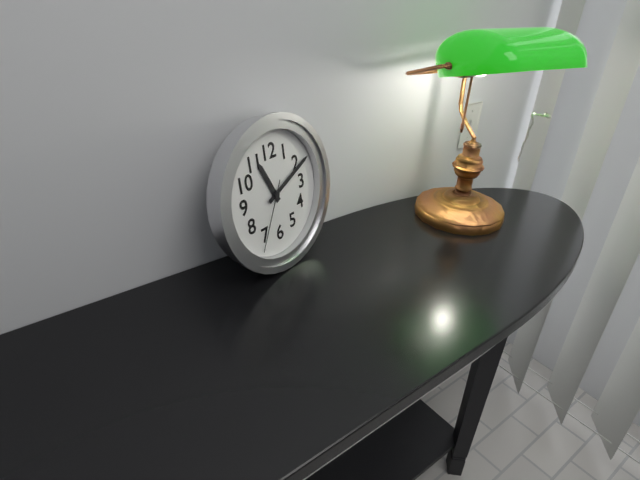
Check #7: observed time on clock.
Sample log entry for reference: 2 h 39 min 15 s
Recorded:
11 h 11 min 35 s
